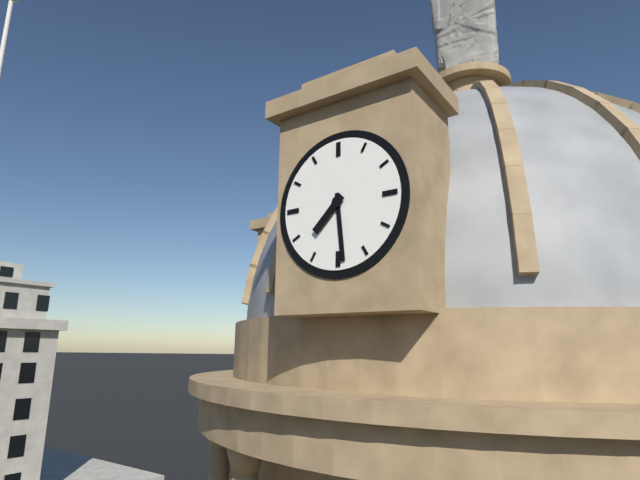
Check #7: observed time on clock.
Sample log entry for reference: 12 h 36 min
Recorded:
7 h 29 min
